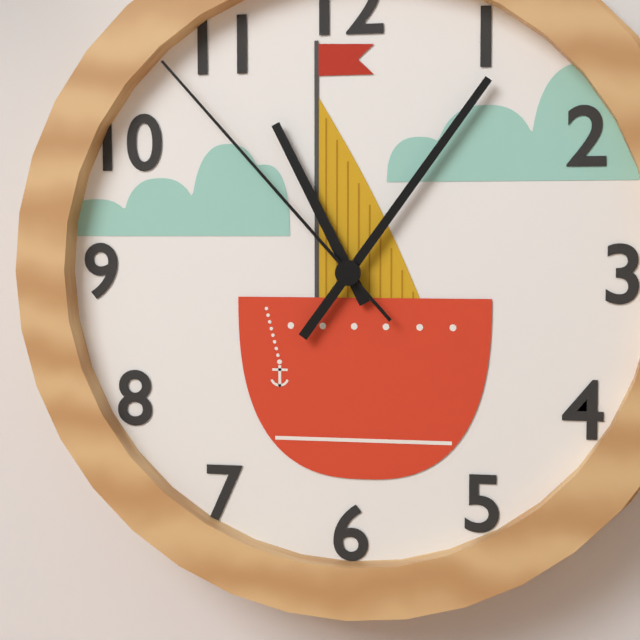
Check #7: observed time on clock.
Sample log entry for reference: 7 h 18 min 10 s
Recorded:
11 h 06 min 53 s
